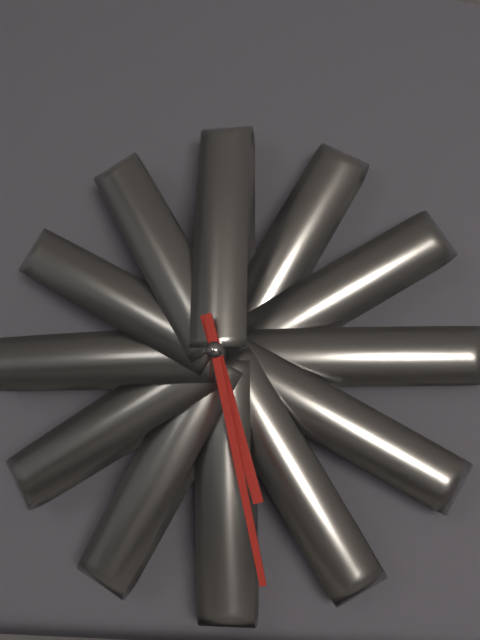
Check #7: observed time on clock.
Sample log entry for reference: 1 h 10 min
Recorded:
5 h 28 min
